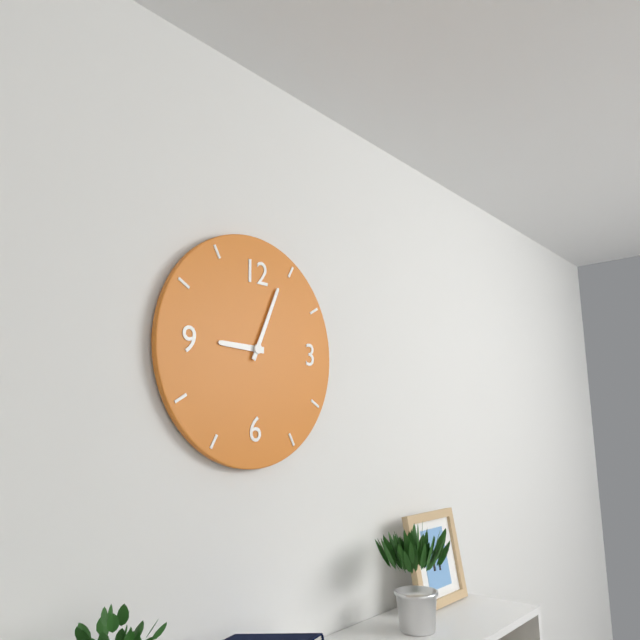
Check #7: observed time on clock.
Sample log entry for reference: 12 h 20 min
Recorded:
9 h 04 min
